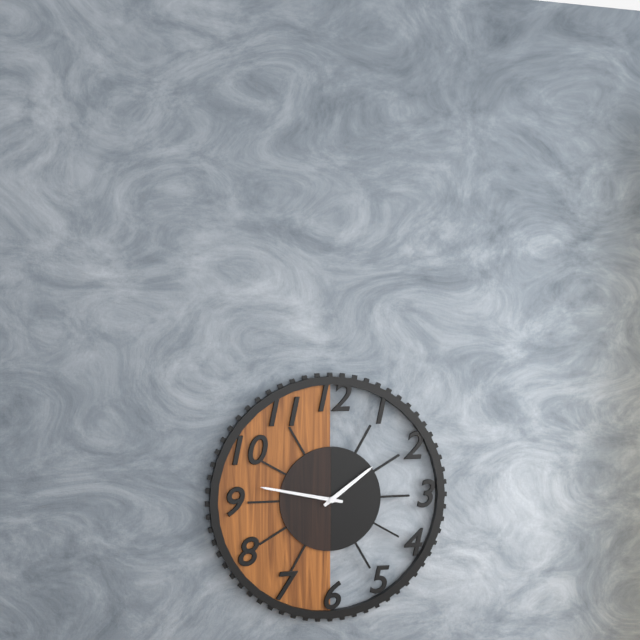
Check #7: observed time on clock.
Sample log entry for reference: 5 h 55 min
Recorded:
1 h 47 min
